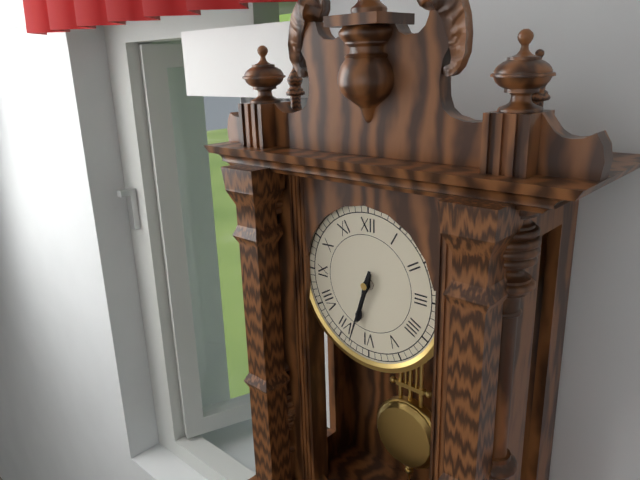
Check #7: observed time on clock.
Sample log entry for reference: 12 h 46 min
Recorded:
6 h 33 min
